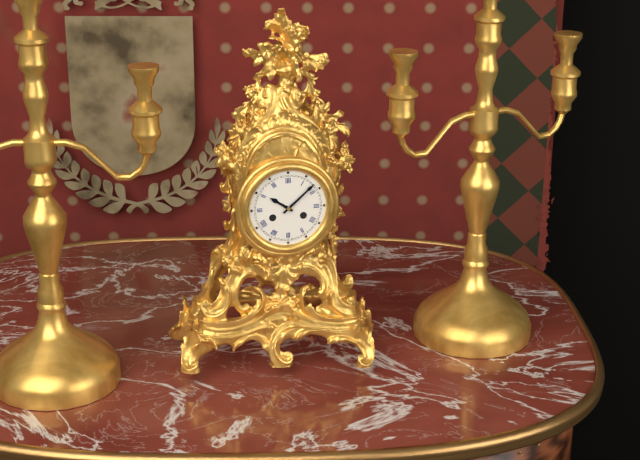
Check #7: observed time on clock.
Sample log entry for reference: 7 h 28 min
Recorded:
10 h 08 min
